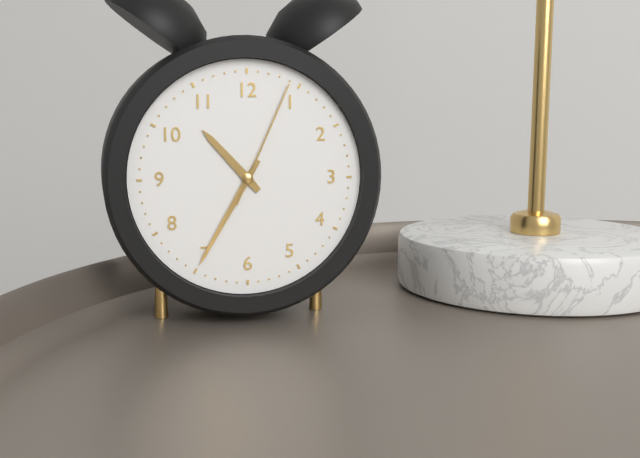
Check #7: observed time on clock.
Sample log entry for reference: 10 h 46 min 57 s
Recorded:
10 h 35 min 04 s
